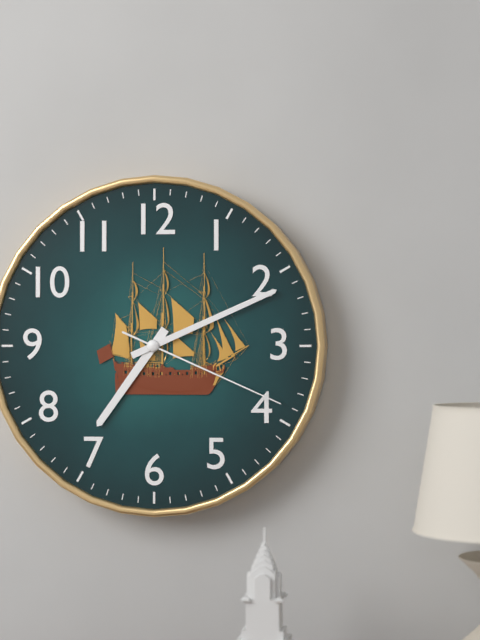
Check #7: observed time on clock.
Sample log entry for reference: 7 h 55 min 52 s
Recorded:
7 h 11 min 19 s
